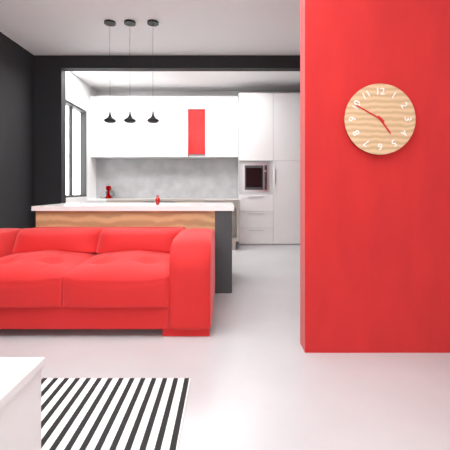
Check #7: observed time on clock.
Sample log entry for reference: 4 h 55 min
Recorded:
4 h 50 min
